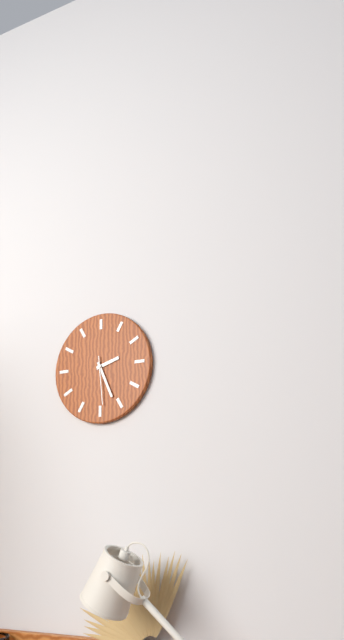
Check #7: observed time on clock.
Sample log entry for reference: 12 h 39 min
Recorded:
2 h 26 min
